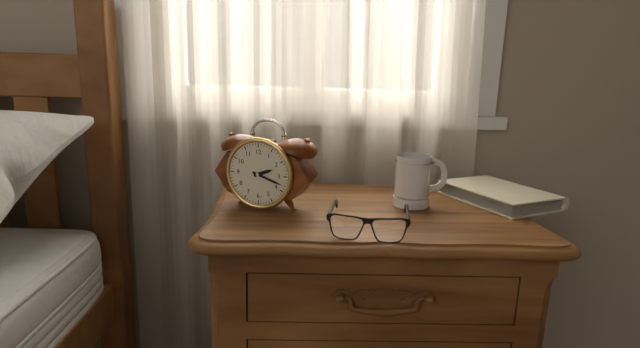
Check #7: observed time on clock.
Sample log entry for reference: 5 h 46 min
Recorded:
2 h 18 min
